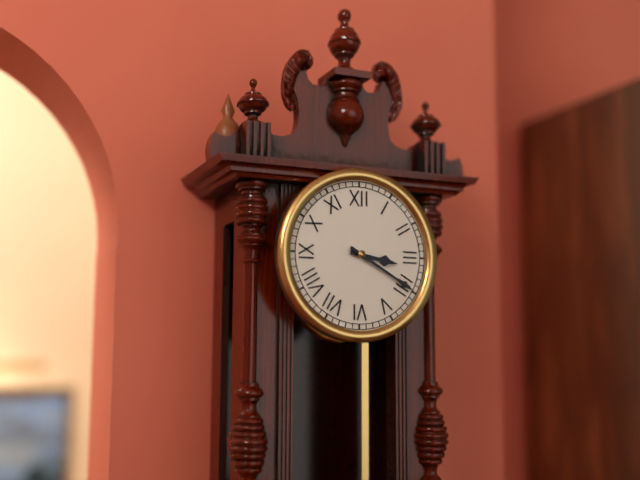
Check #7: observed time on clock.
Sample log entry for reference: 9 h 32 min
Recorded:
3 h 20 min
